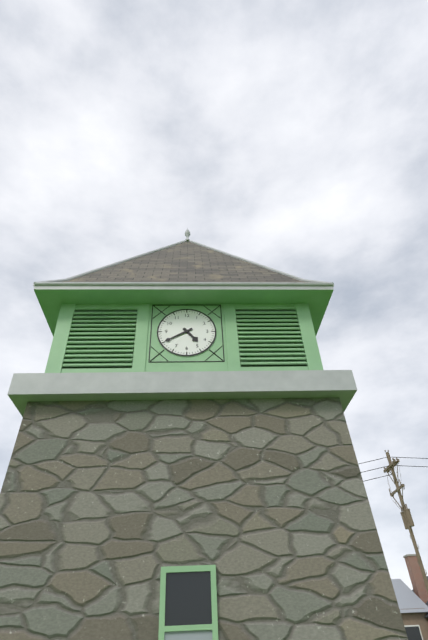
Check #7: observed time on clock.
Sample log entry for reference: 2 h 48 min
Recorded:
4 h 40 min
